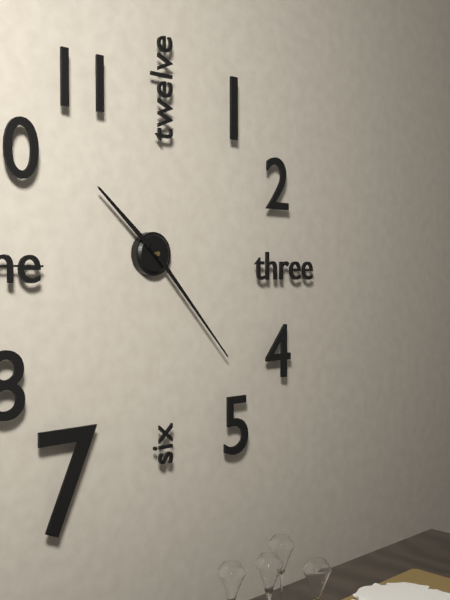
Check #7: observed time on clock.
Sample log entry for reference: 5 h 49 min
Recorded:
10 h 23 min
